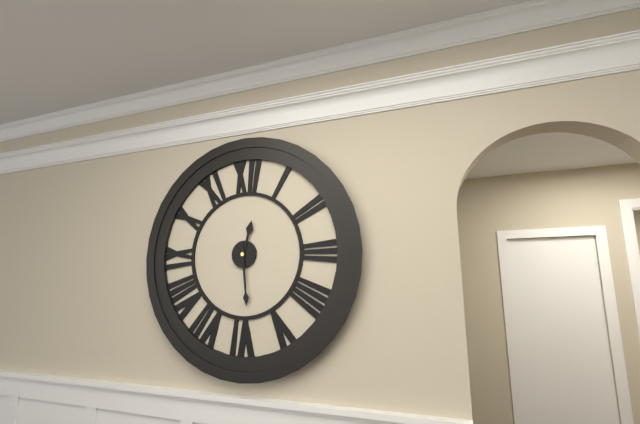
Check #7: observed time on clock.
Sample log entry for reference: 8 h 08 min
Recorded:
12 h 29 min
